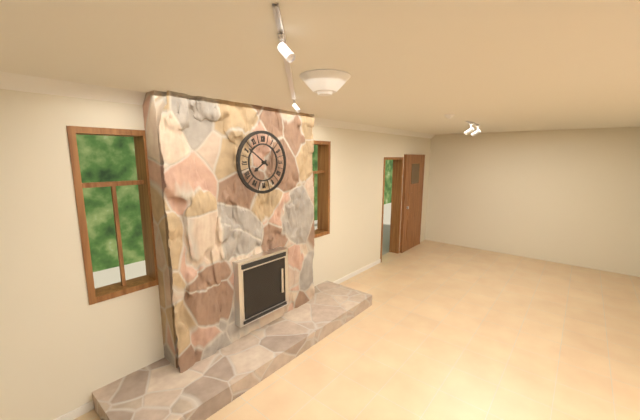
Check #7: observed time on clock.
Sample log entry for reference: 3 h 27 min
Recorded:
7 h 51 min
